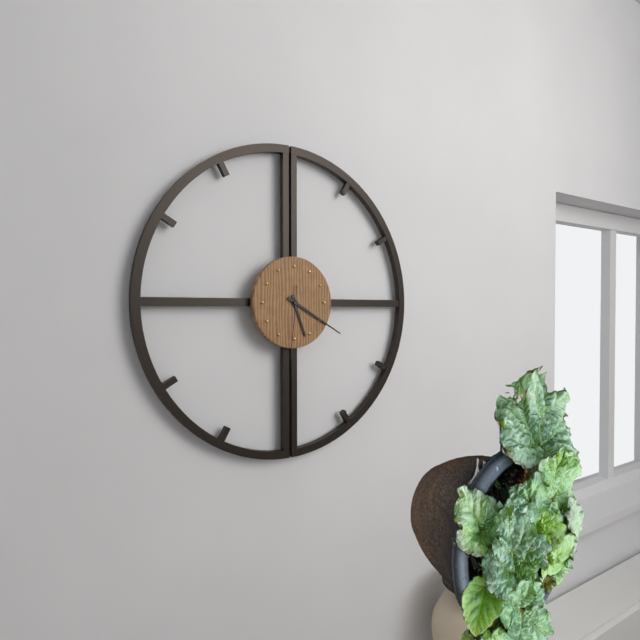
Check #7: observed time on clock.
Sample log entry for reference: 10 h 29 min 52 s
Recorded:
5 h 20 min 31 s
